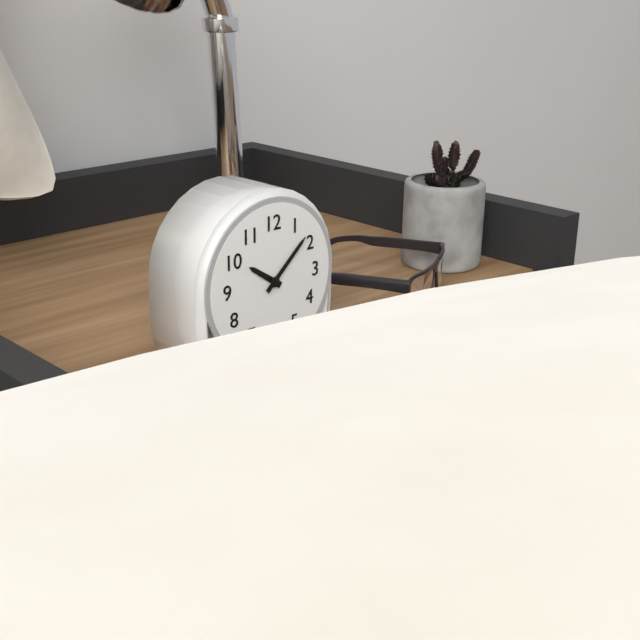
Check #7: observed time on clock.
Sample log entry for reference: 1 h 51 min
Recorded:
10 h 08 min
